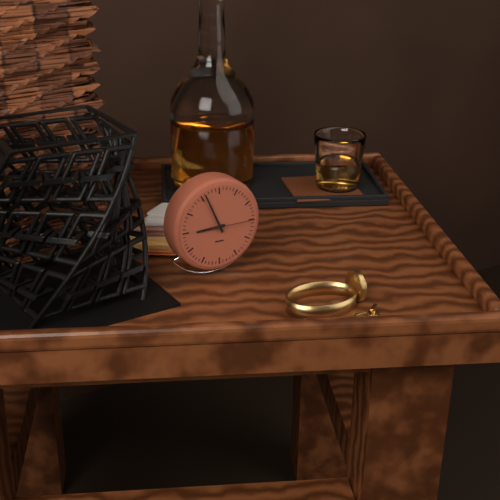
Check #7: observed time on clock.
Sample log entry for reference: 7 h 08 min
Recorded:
8 h 56 min
